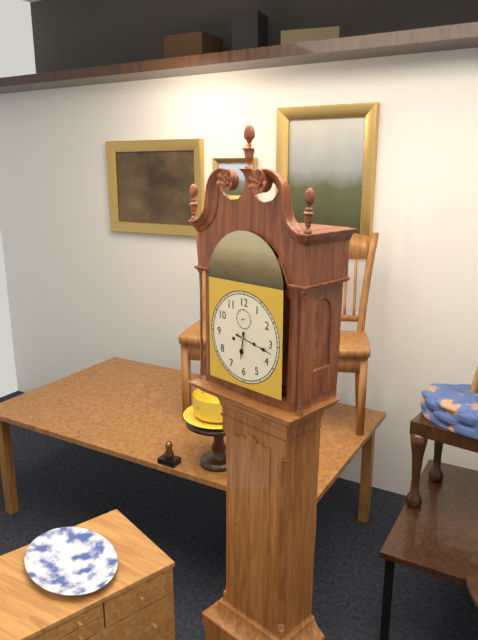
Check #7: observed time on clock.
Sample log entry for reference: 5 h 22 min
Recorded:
6 h 17 min
